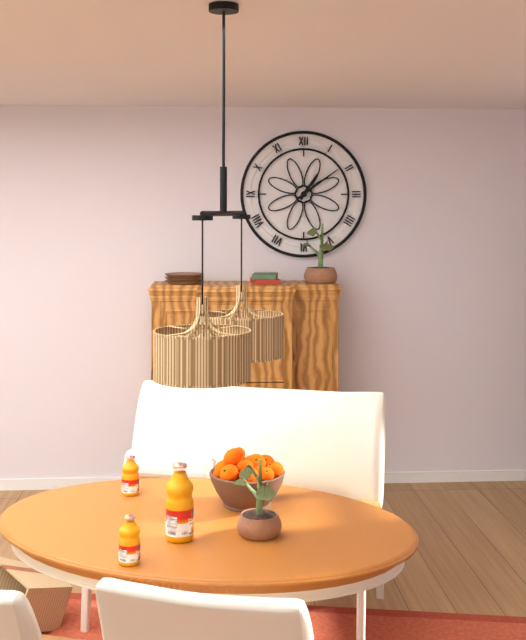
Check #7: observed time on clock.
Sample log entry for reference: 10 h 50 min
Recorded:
1 h 09 min
